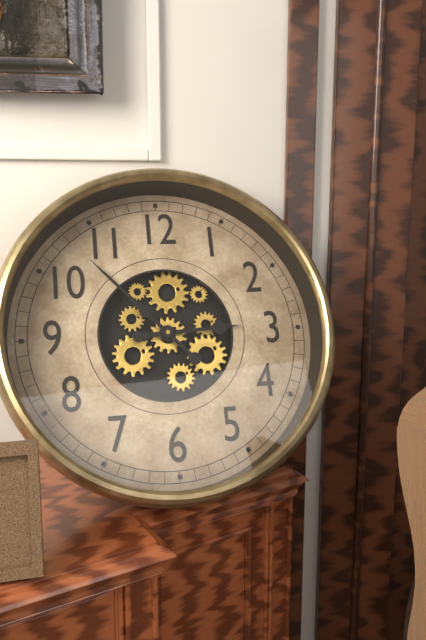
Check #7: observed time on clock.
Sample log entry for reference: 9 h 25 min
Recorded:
2 h 53 min
